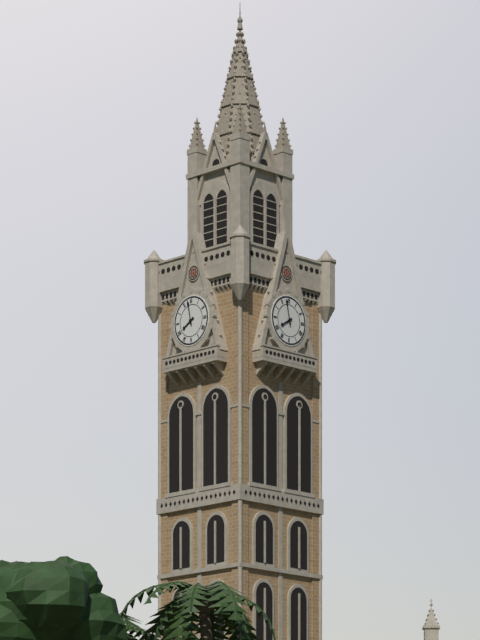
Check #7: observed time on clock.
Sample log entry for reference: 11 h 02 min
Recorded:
7 h 58 min
